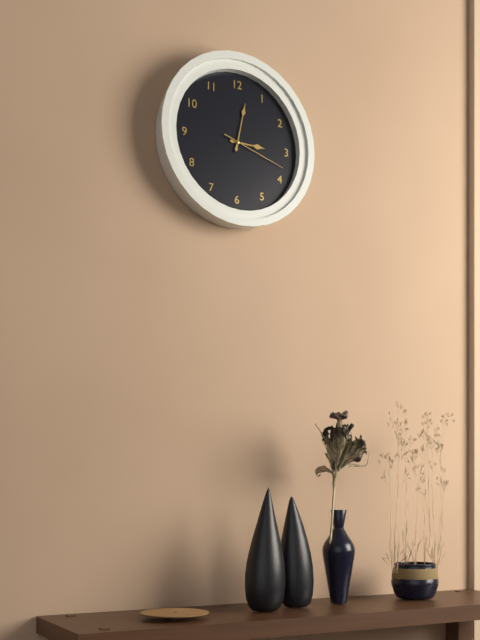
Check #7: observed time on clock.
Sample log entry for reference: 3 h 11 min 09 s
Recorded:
3 h 02 min 18 s
